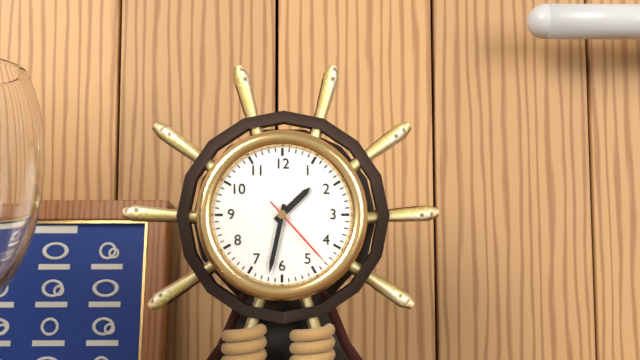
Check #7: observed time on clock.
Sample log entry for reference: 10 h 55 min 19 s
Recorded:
1 h 32 min 23 s
